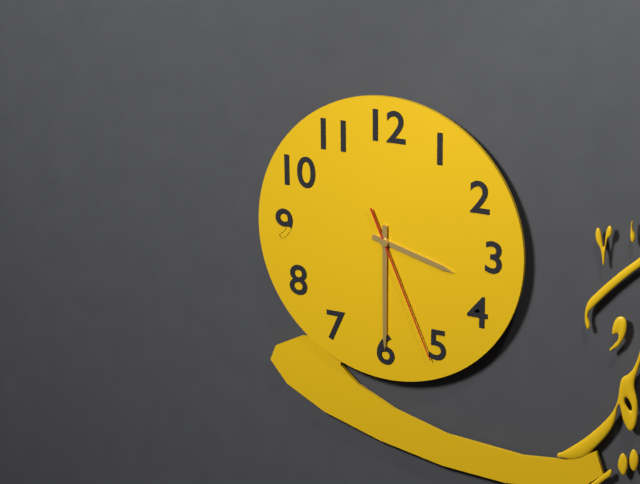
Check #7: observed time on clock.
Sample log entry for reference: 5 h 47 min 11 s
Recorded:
3 h 30 min 26 s
